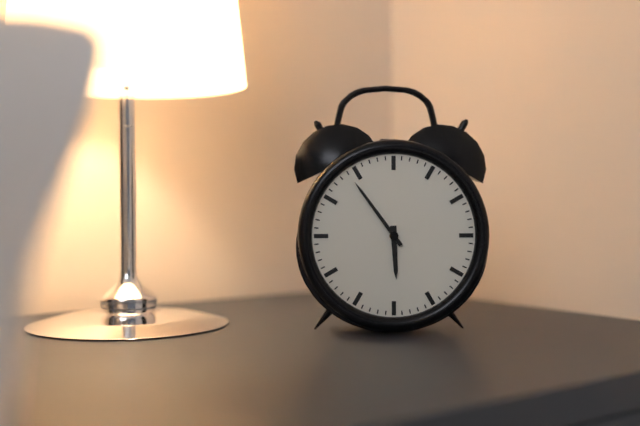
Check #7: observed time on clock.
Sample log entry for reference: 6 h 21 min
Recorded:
5 h 54 min
